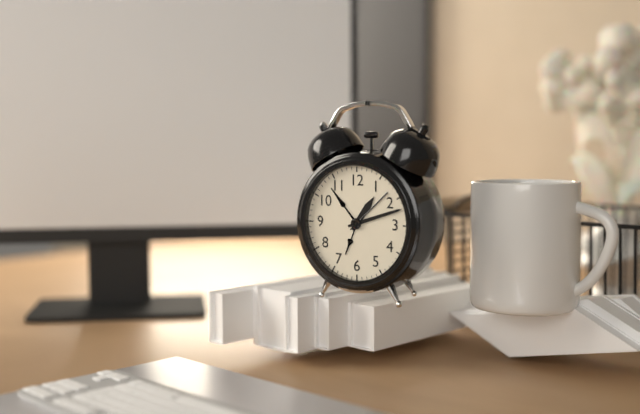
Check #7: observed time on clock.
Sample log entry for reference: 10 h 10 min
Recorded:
1 h 12 min
